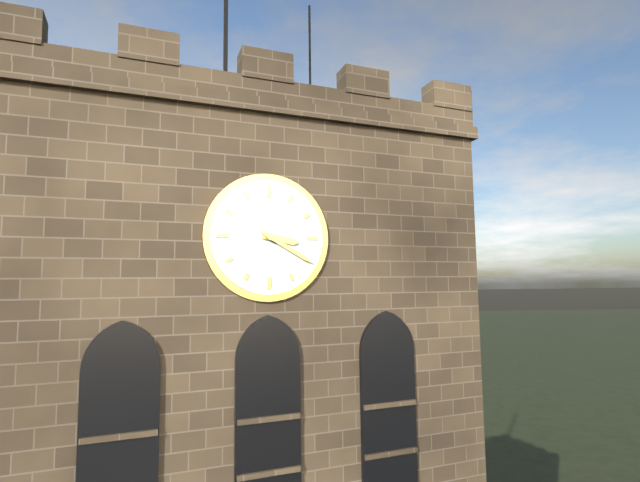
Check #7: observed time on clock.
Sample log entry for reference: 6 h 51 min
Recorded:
3 h 20 min
